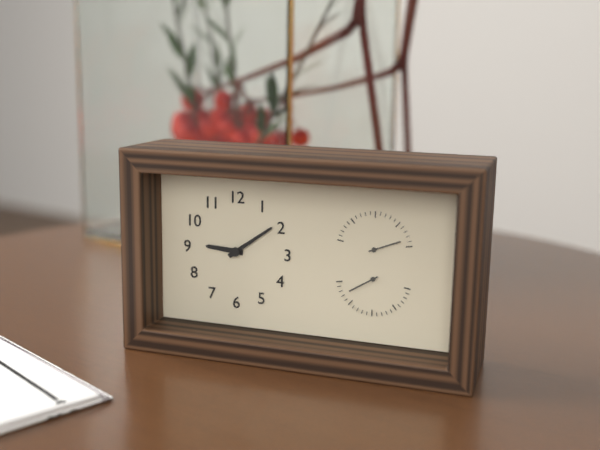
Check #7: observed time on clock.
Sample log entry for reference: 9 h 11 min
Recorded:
9 h 09 min
